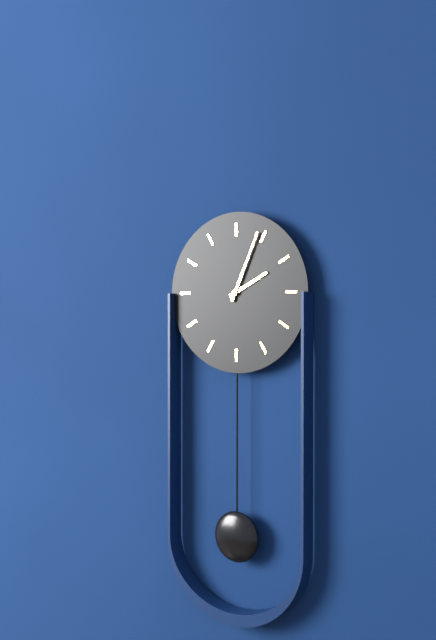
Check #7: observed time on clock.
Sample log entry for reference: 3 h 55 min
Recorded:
2 h 04 min
